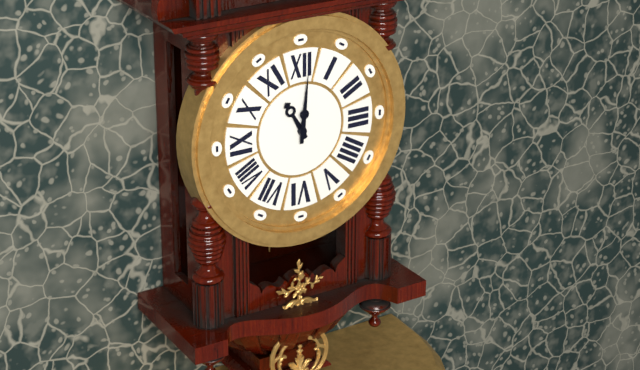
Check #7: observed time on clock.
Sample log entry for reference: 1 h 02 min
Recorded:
11 h 01 min
